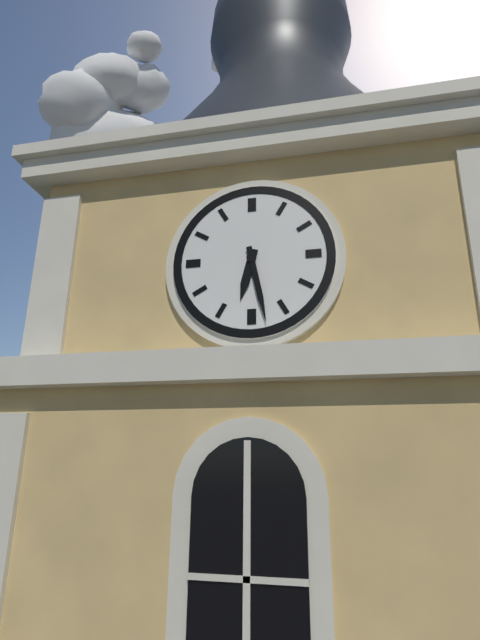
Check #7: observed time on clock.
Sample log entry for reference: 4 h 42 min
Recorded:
6 h 28 min
